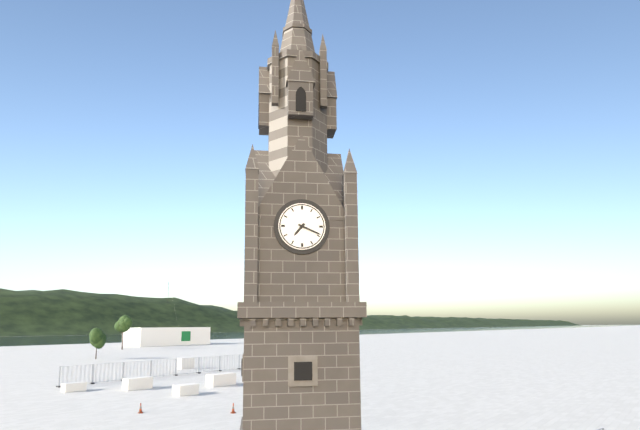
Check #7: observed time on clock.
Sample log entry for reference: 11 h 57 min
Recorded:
7 h 19 min
